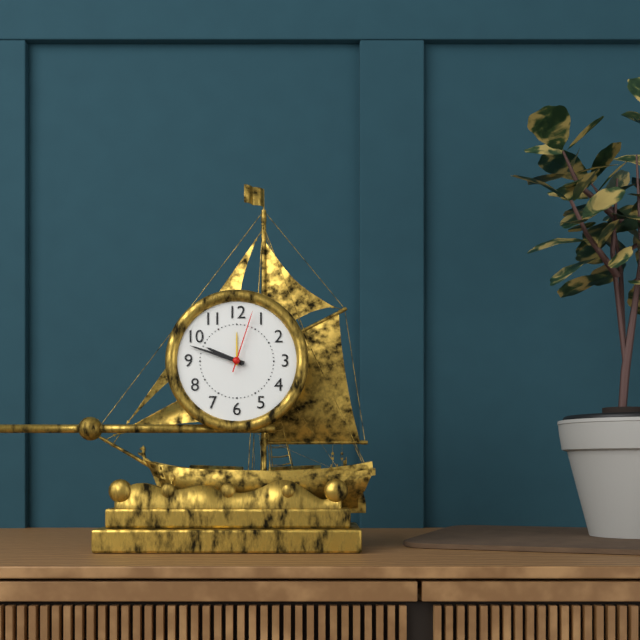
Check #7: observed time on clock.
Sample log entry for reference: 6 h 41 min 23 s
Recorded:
9 h 48 min 03 s
